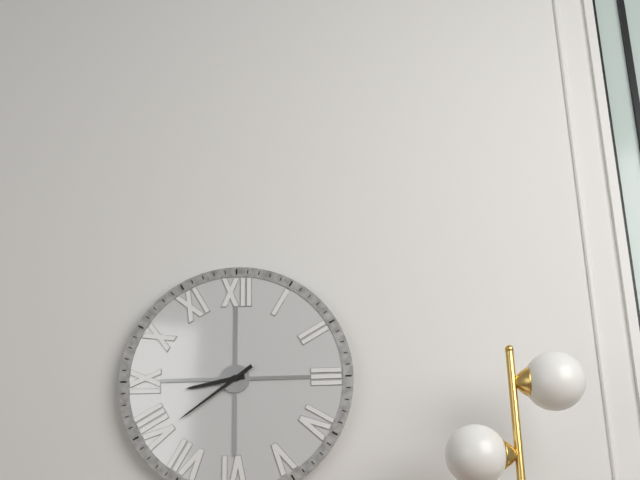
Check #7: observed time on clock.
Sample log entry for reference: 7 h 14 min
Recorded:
8 h 39 min
